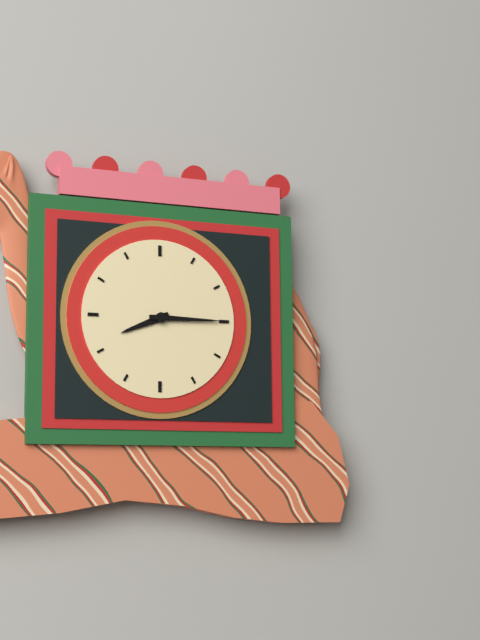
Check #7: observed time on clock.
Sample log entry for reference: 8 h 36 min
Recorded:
8 h 15 min
